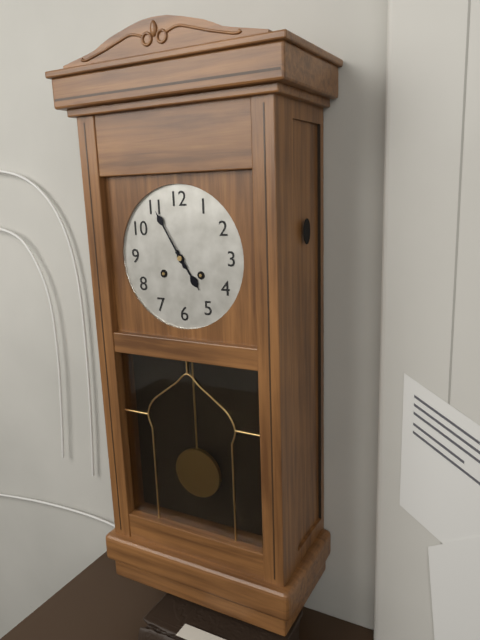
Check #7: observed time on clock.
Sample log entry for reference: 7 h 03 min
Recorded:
4 h 55 min
